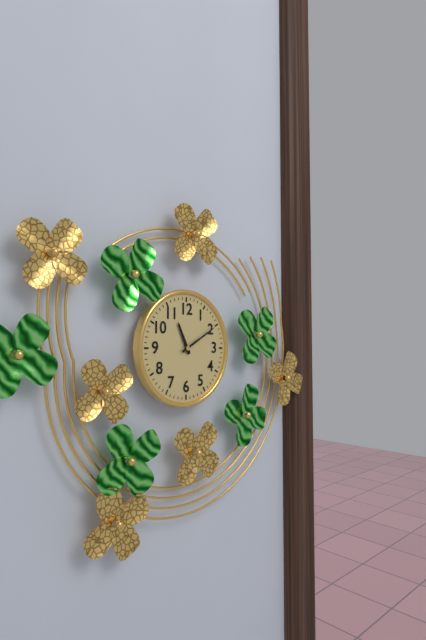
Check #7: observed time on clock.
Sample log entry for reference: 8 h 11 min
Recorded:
11 h 10 min
